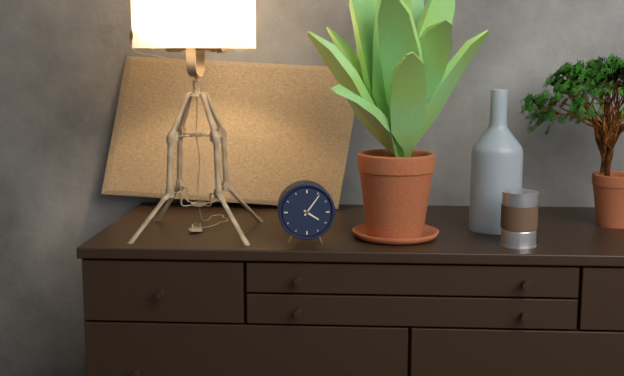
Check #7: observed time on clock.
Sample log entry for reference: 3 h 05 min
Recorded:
4 h 06 min
